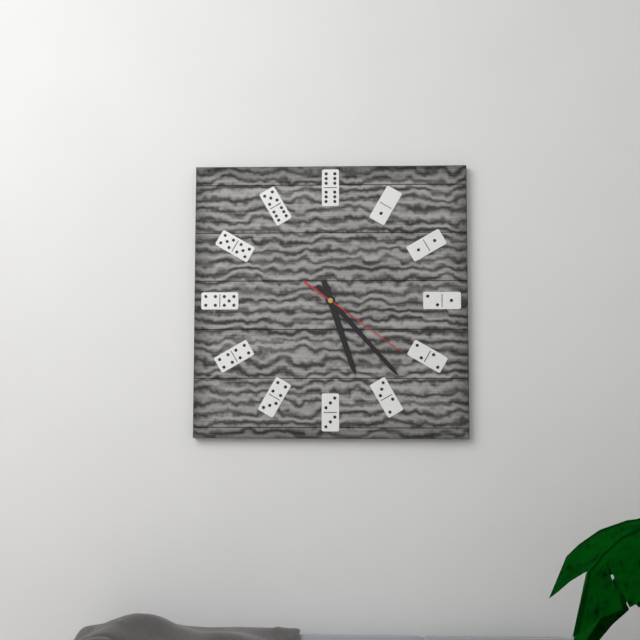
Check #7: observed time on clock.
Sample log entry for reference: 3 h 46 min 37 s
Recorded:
5 h 23 min 21 s
